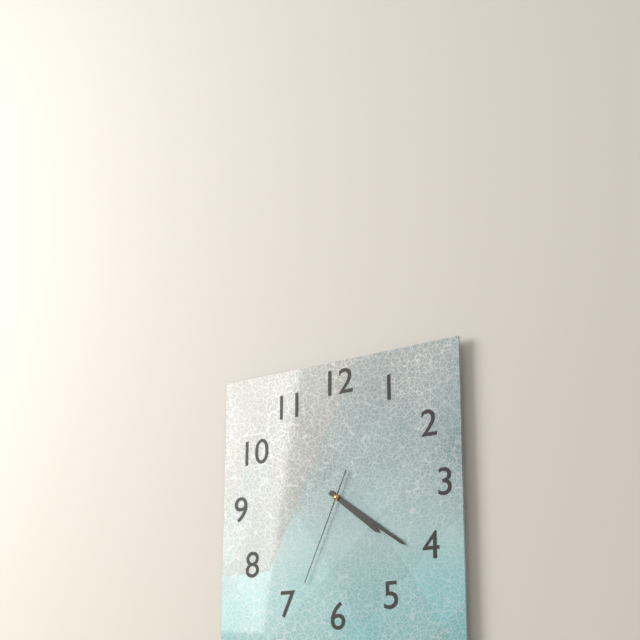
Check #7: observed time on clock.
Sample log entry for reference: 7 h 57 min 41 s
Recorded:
4 h 21 min 34 s
